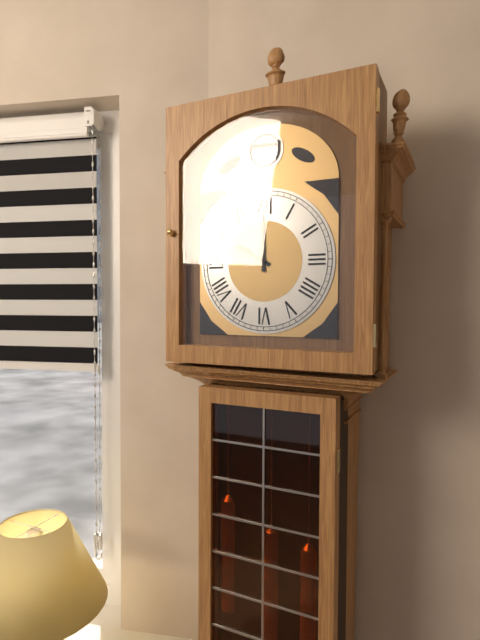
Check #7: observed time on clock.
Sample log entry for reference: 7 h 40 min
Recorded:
10 h 00 min
